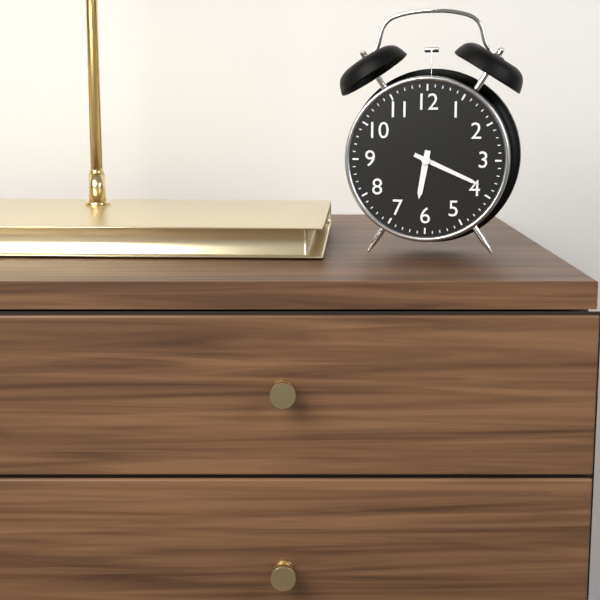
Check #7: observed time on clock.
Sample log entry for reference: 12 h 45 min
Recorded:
6 h 19 min
